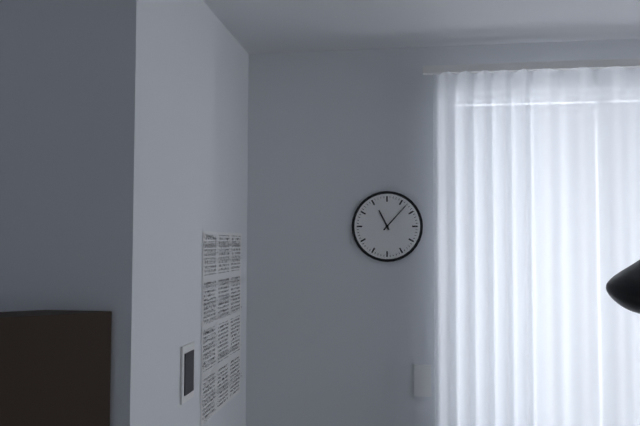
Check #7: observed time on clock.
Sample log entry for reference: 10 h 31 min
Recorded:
11 h 07 min
